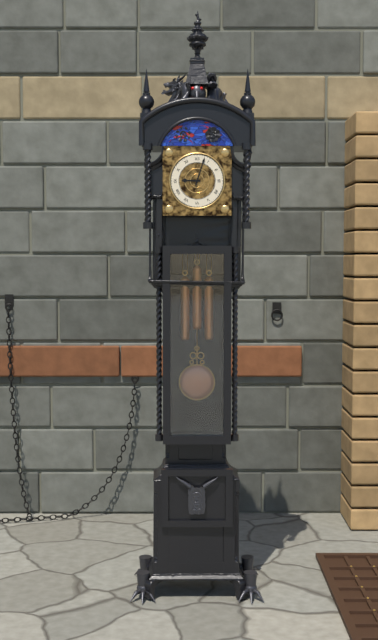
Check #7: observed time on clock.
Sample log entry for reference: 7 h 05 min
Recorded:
9 h 03 min
